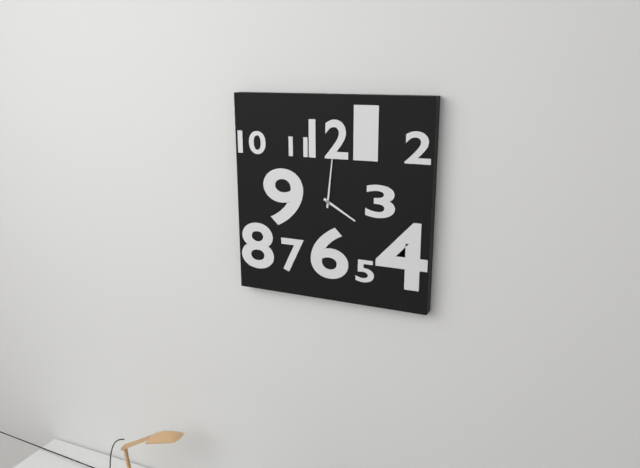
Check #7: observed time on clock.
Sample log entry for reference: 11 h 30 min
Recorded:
4 h 01 min
